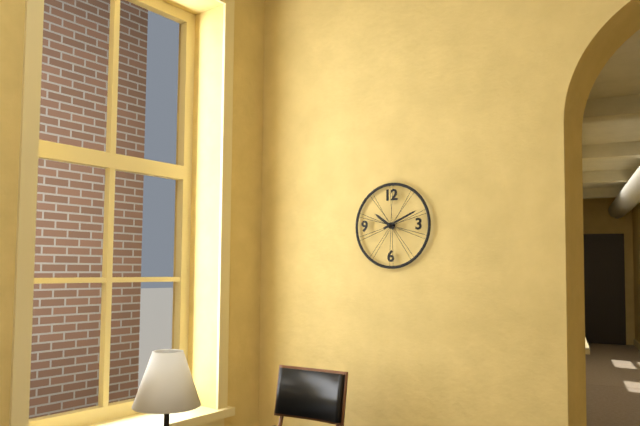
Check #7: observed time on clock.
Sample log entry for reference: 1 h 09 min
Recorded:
10 h 11 min
